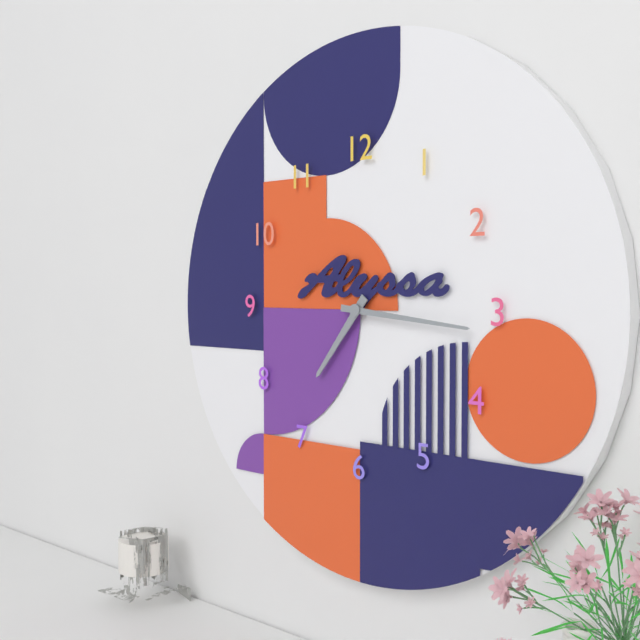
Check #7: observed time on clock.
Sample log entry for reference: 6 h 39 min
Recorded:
7 h 16 min
